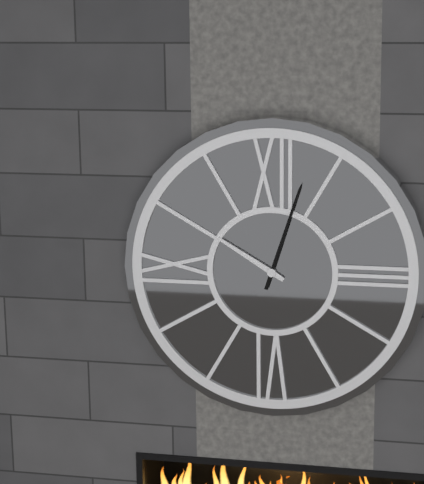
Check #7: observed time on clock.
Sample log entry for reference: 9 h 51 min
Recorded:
10 h 03 min
